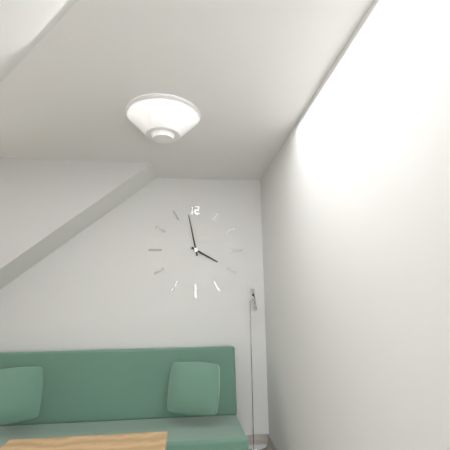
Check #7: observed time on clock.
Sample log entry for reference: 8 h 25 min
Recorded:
3 h 58 min
